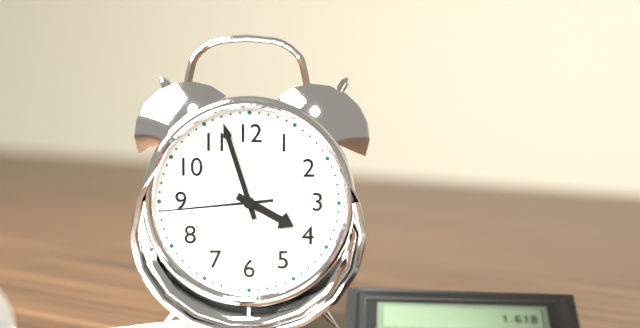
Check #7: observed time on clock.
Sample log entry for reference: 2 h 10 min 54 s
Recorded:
3 h 57 min 44 s
